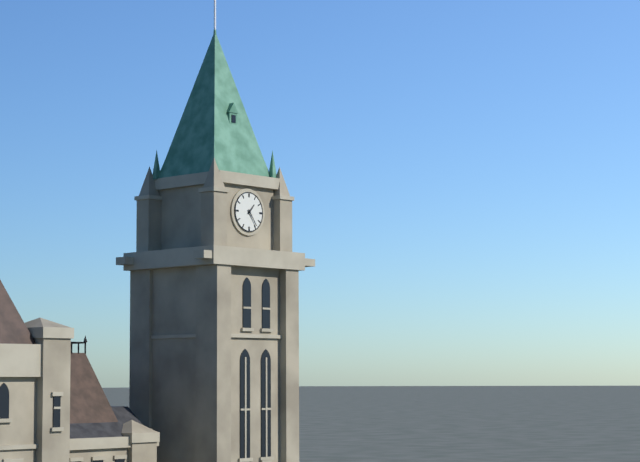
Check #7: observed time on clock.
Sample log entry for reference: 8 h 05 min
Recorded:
1 h 24 min
